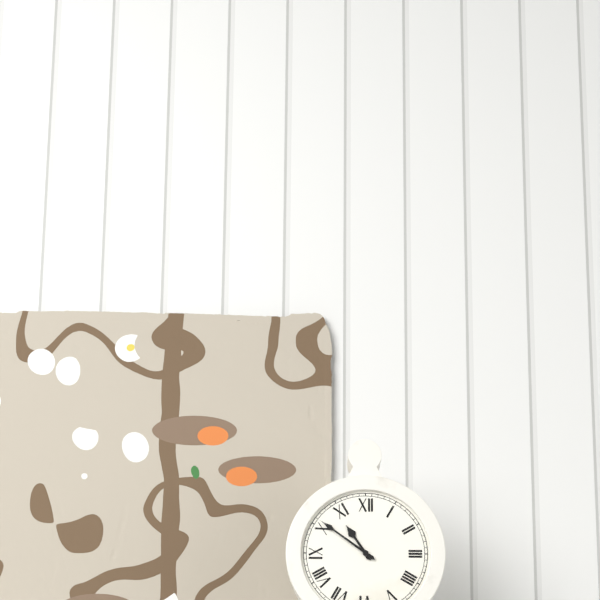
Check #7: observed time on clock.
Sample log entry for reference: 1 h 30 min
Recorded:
10 h 51 min
